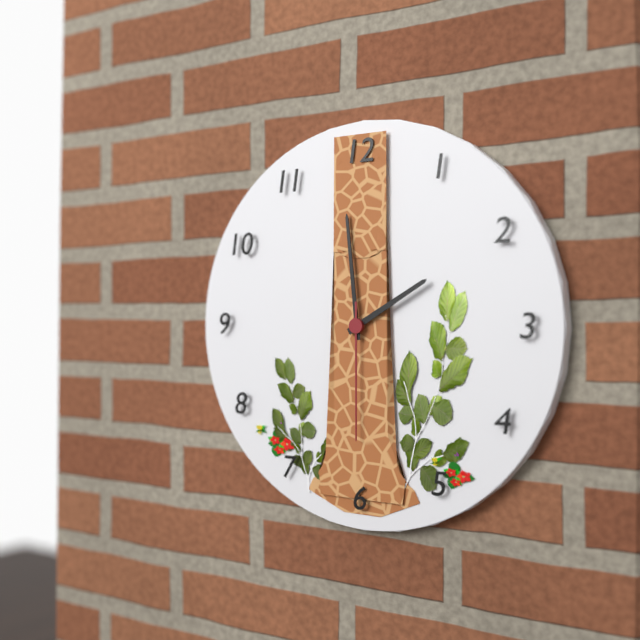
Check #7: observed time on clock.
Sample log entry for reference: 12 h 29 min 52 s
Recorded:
1 h 59 min 30 s
